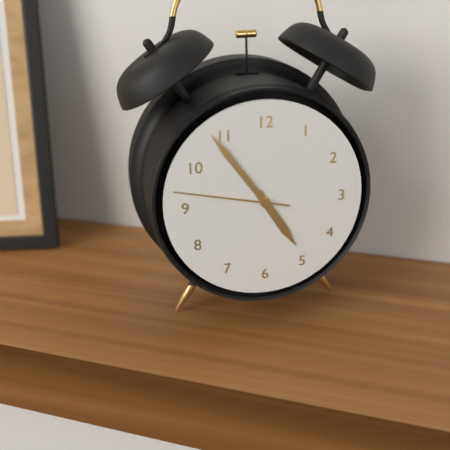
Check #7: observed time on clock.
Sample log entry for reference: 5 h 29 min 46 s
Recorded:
4 h 54 min 47 s
